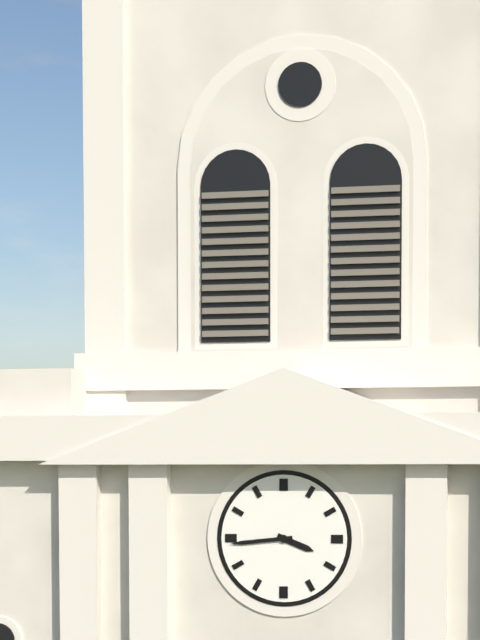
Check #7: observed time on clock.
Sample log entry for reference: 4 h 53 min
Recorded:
3 h 44 min
